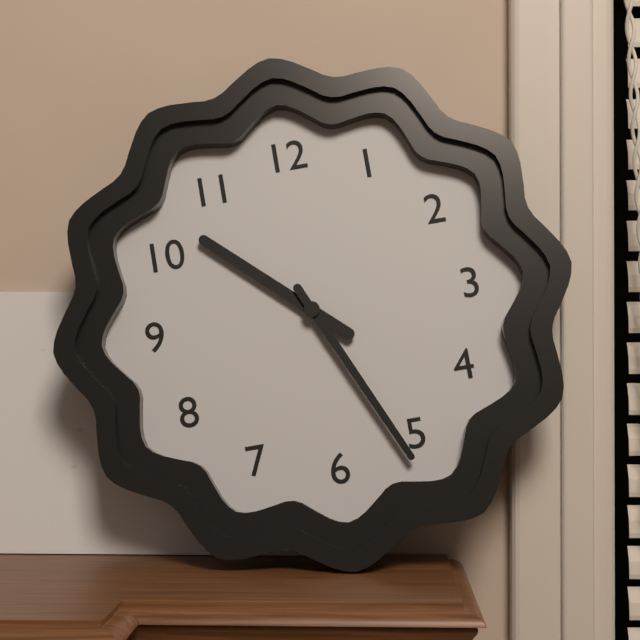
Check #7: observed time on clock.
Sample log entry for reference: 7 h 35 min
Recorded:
10 h 26 min
